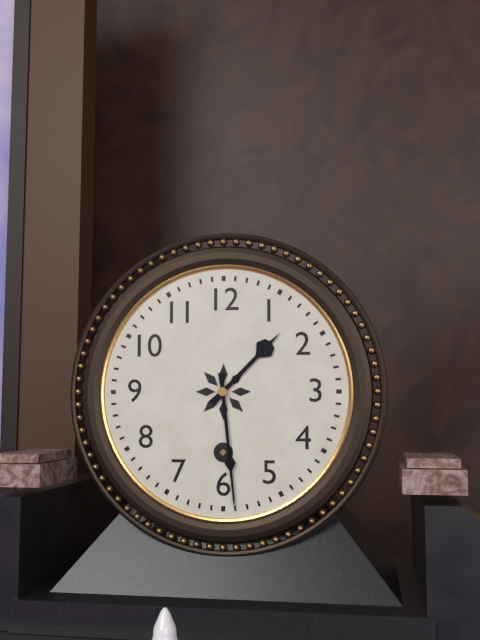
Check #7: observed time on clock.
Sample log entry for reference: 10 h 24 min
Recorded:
1 h 29 min
